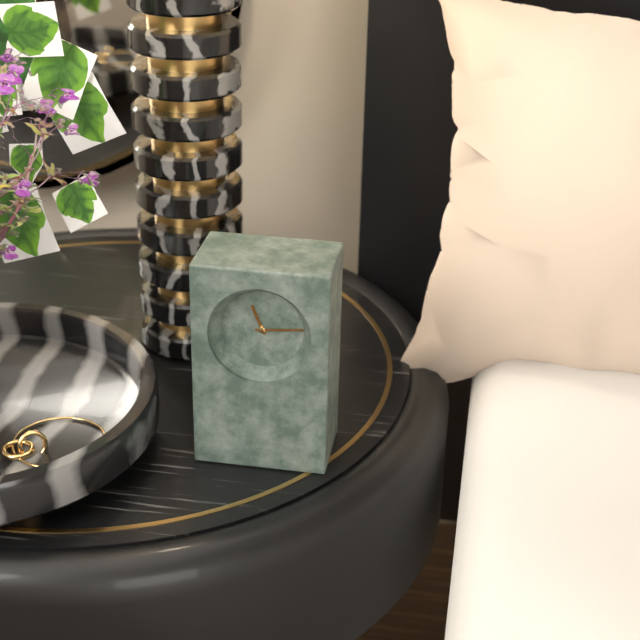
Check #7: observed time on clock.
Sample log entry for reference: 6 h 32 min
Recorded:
11 h 14 min
